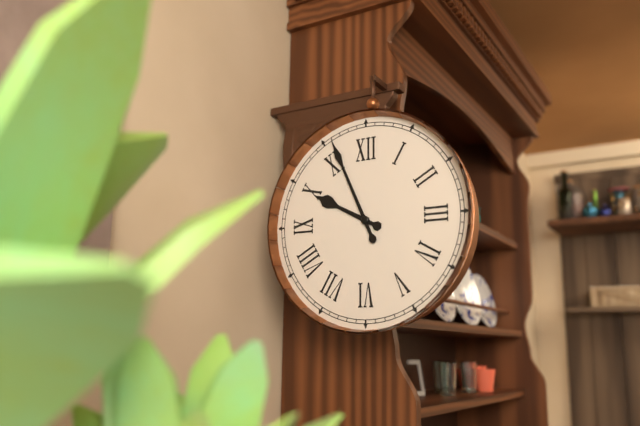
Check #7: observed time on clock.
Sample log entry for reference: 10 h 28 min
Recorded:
9 h 56 min
